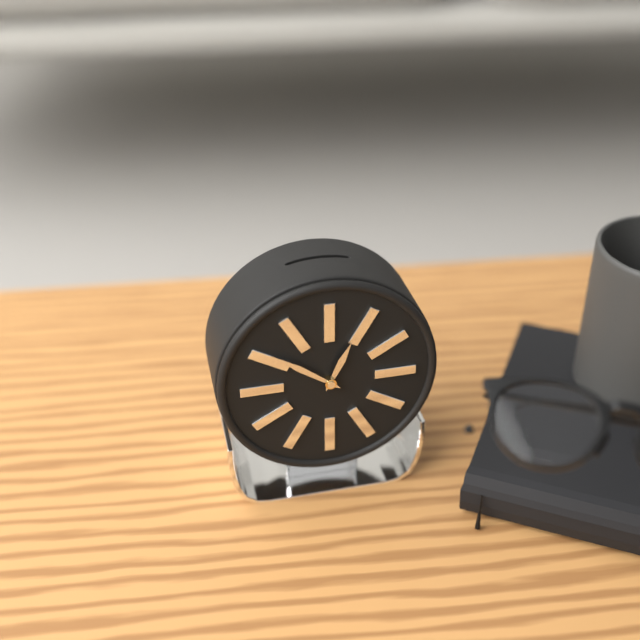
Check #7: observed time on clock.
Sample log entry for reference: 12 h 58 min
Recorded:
12 h 51 min
